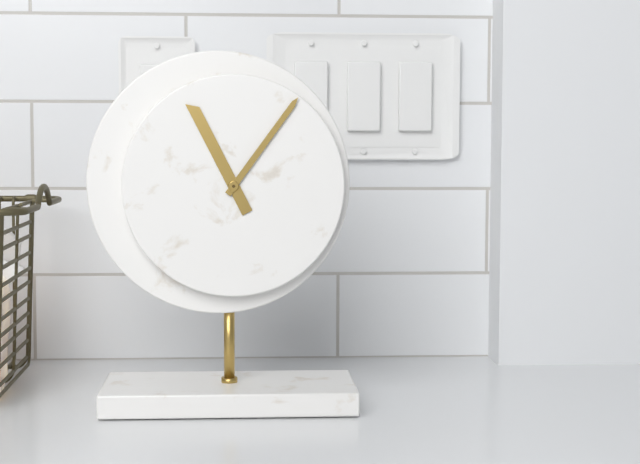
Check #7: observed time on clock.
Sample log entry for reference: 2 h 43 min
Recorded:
11 h 06 min
